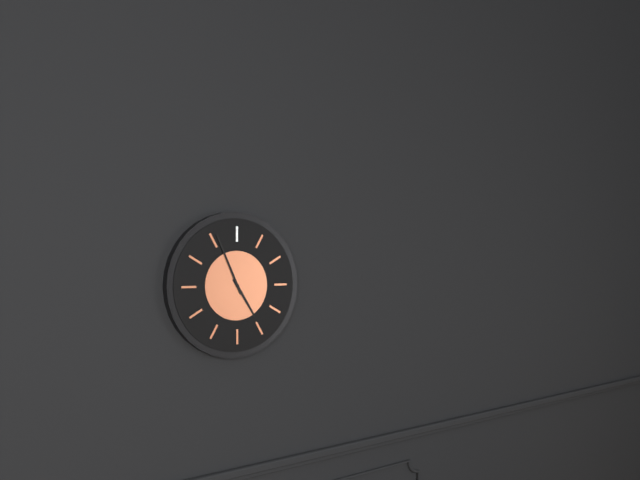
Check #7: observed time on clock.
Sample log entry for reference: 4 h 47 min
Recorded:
4 h 56 min
